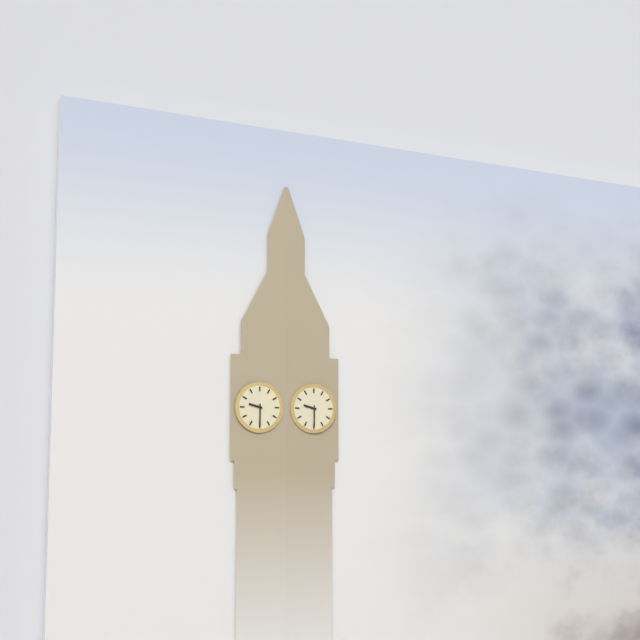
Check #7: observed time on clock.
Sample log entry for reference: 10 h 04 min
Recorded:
9 h 30 min
